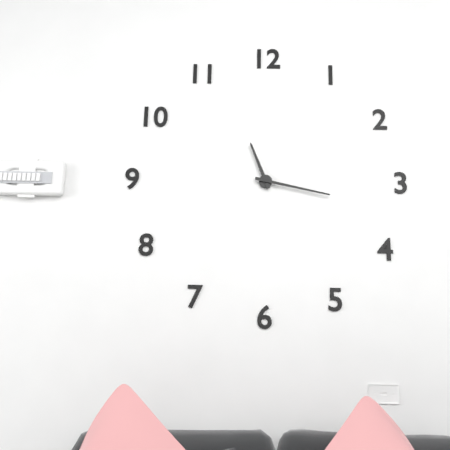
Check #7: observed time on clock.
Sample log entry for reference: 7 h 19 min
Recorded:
11 h 17 min
